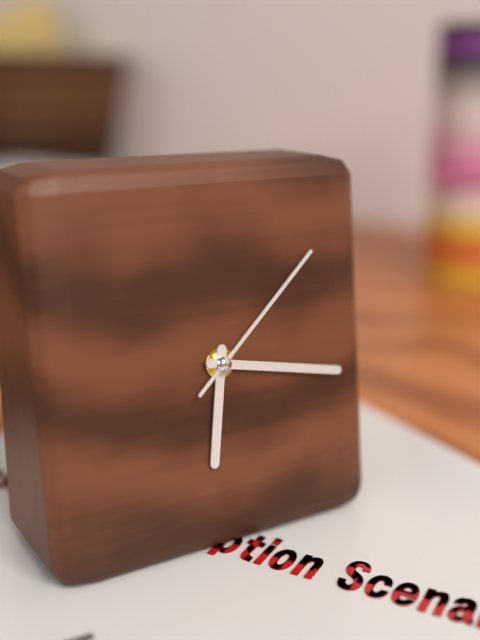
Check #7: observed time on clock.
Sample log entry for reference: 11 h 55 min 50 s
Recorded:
6 h 17 min 08 s
